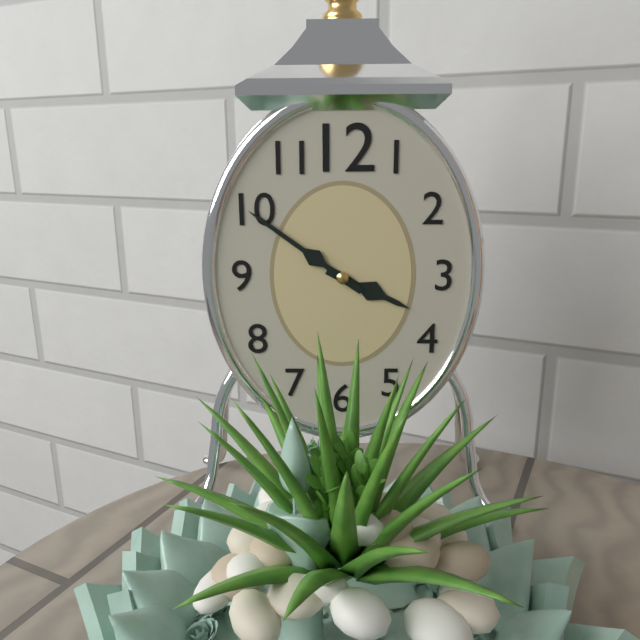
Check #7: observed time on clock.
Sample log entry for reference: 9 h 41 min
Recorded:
3 h 51 min
